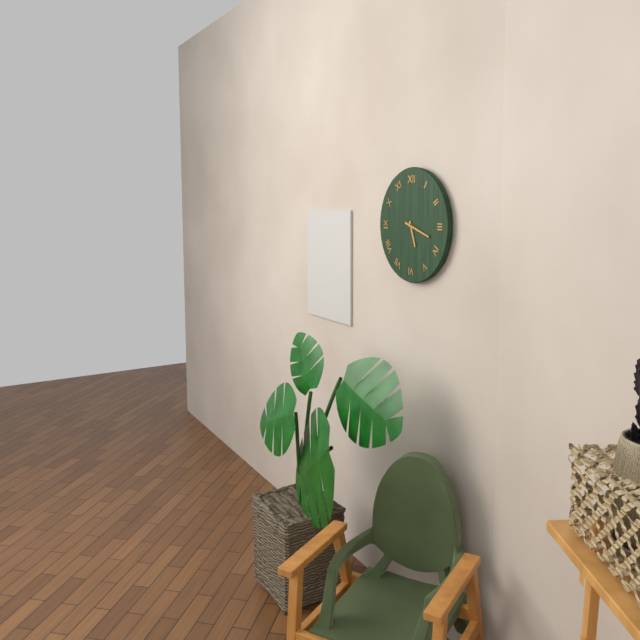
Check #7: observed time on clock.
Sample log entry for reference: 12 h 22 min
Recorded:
5 h 18 min
